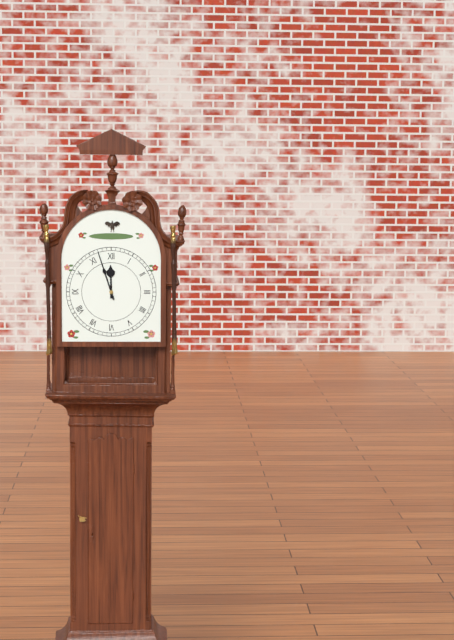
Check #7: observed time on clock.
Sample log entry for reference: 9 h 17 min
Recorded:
11 h 57 min
